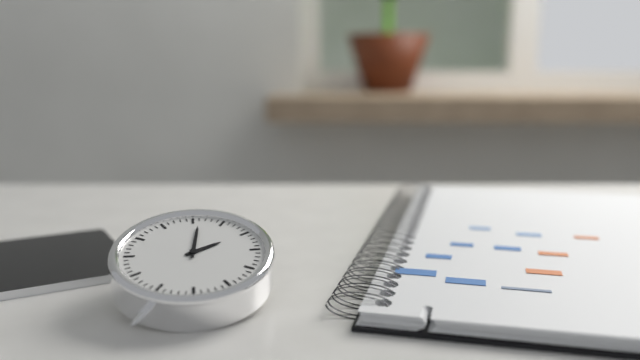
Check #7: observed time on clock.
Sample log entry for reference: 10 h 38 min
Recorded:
2 h 01 min
